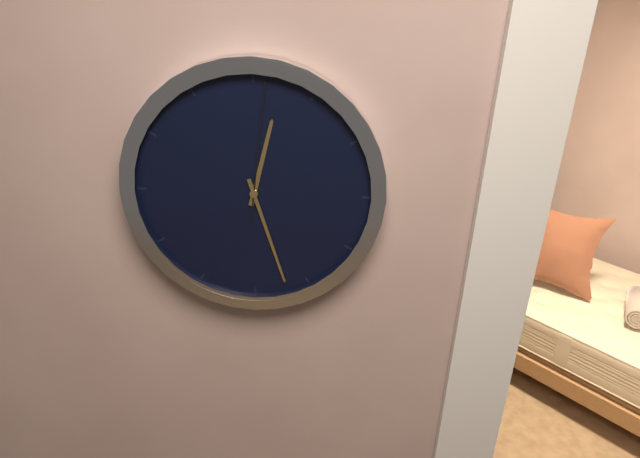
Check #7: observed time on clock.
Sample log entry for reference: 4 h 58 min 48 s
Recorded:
12 h 27 min 01 s
